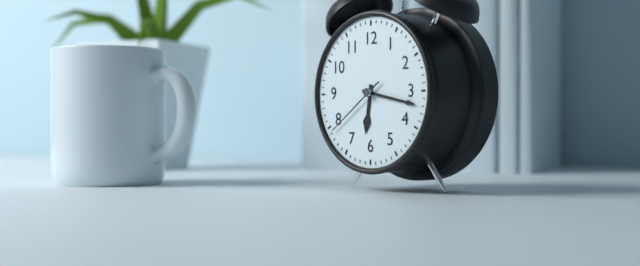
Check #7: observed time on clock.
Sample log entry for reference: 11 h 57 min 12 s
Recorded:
6 h 17 min 39 s
